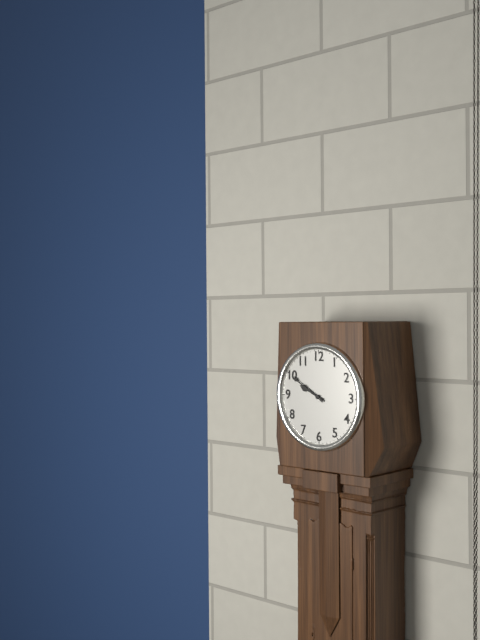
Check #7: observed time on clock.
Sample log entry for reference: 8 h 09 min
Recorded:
9 h 50 min
